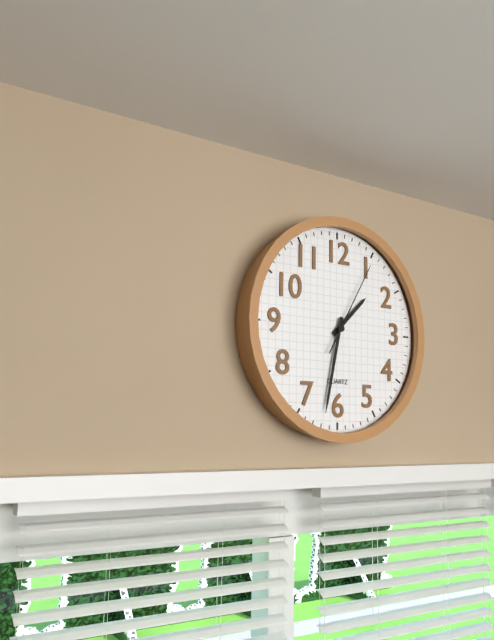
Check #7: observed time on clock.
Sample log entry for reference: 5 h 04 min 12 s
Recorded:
1 h 32 min 05 s
